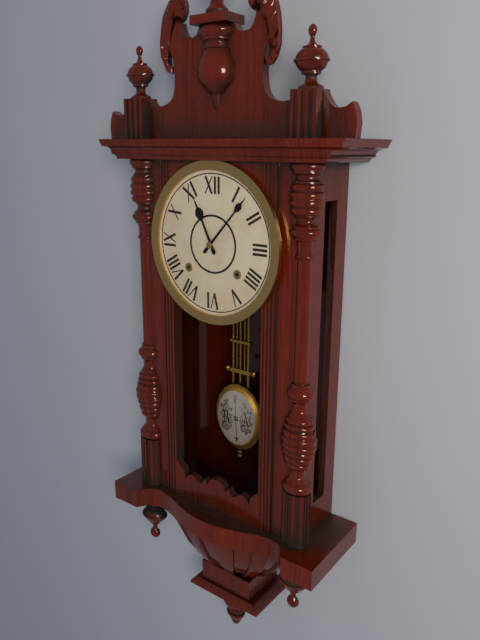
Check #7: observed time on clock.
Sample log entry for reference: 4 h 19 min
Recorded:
11 h 07 min
